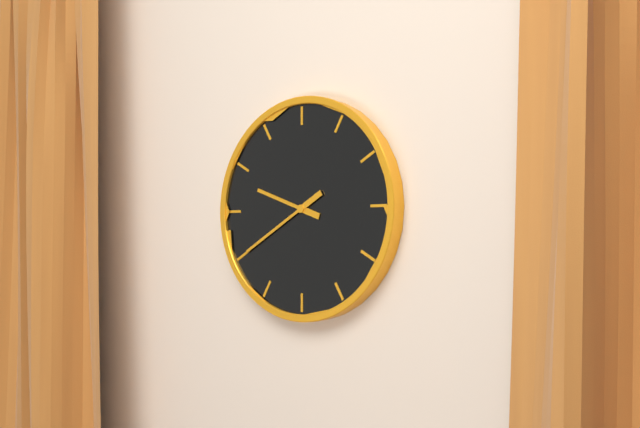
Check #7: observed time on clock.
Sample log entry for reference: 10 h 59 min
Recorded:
9 h 40 min
